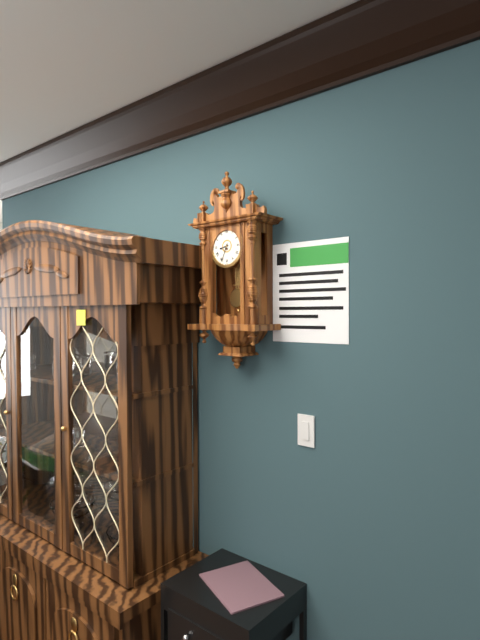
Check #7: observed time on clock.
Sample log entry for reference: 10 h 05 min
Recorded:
8 h 34 min
